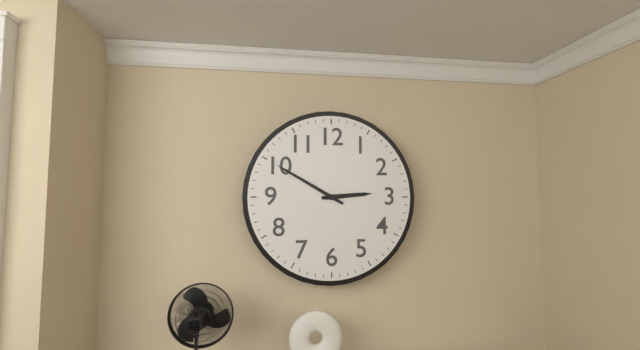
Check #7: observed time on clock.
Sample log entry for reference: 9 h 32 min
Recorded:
2 h 50 min
